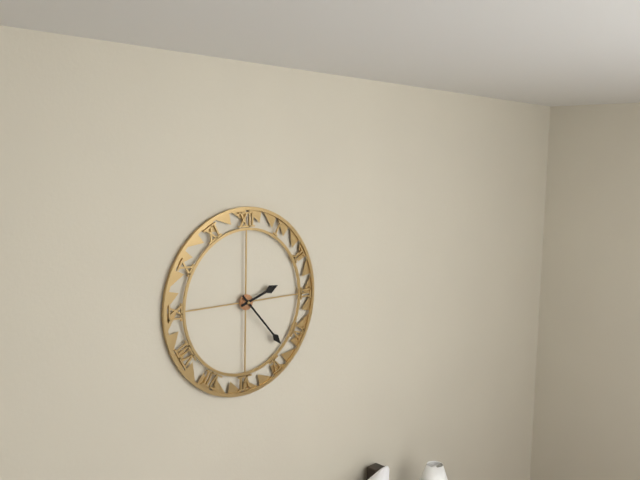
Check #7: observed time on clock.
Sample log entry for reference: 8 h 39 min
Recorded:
2 h 23 min
